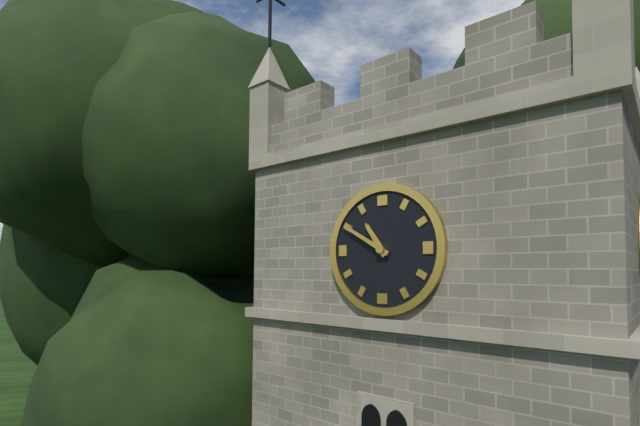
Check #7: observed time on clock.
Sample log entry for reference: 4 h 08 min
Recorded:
10 h 50 min
